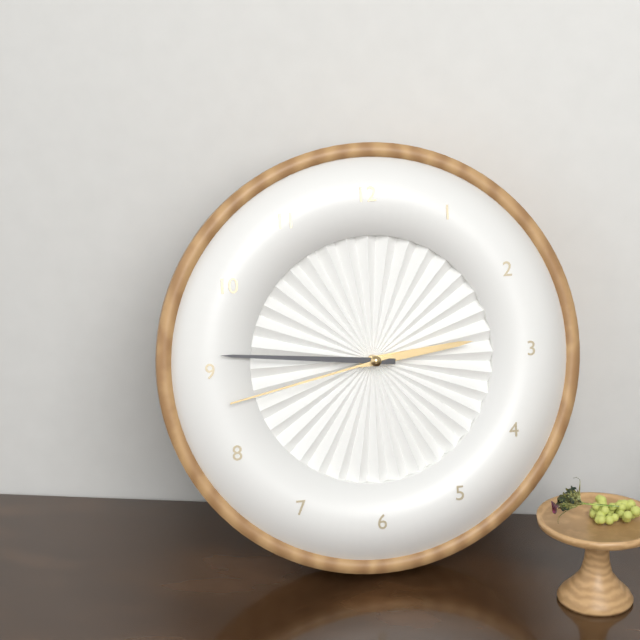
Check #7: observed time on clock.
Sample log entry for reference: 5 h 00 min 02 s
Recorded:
2 h 46 min 43 s
